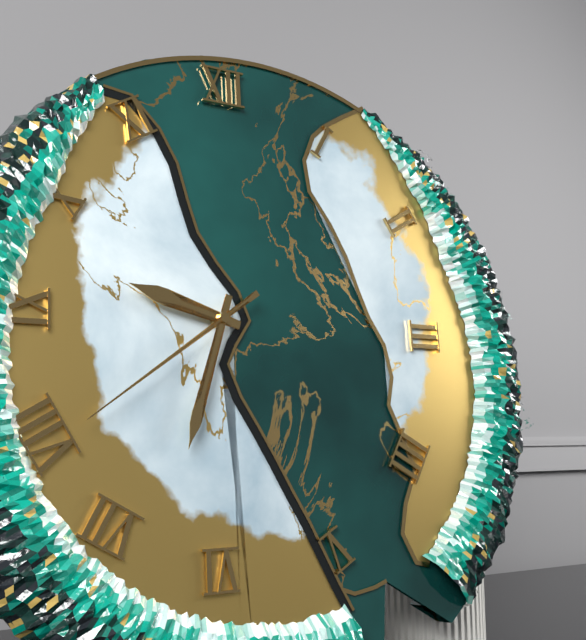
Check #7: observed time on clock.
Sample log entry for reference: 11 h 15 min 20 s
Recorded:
9 h 33 min 39 s
